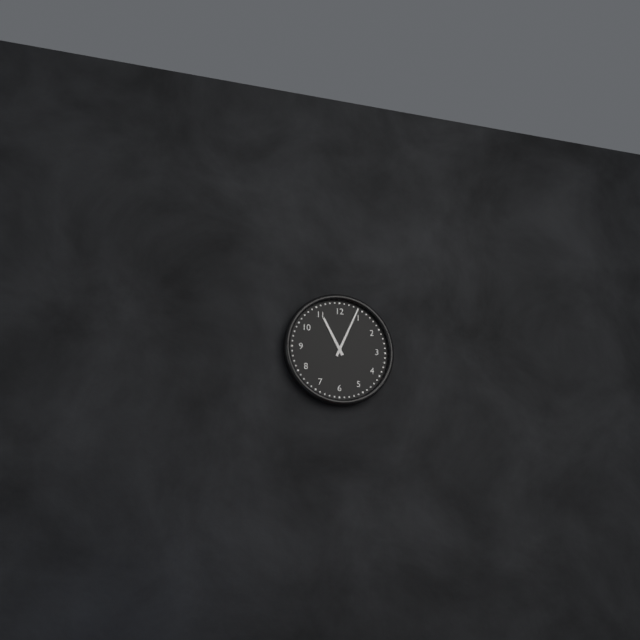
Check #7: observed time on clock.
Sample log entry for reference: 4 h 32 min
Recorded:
11 h 04 min
